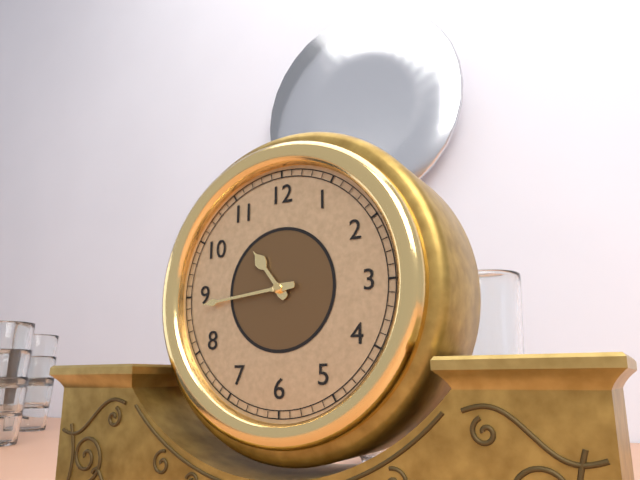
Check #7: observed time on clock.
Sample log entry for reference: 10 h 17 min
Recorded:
10 h 44 min
